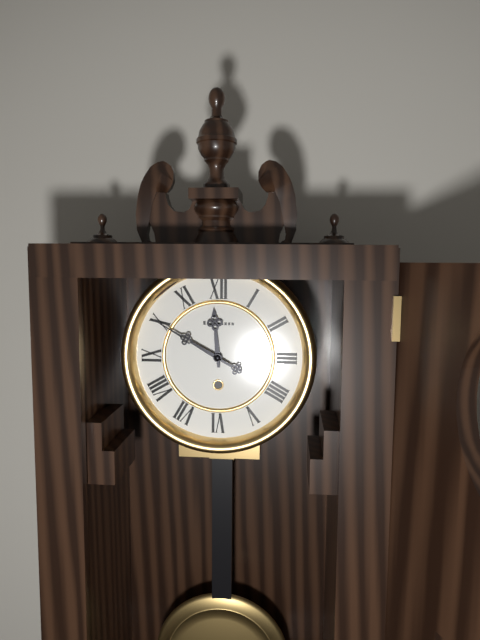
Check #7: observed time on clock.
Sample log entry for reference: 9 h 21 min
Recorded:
11 h 50 min
